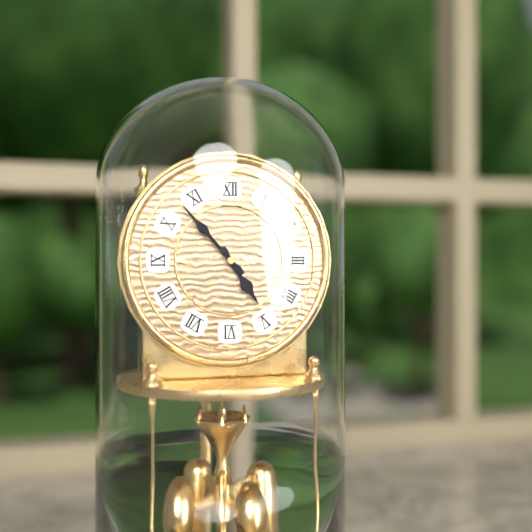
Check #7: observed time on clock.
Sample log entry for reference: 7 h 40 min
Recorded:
4 h 53 min
